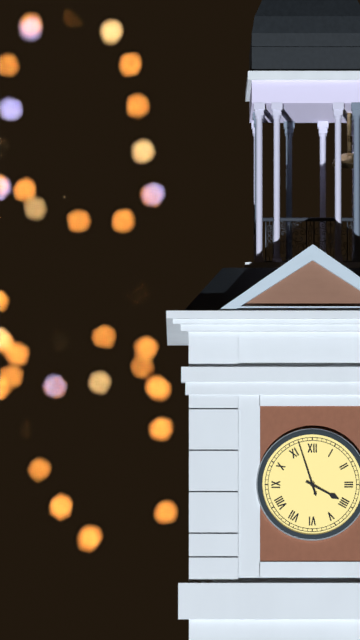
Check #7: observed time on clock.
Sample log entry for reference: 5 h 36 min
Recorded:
3 h 57 min
